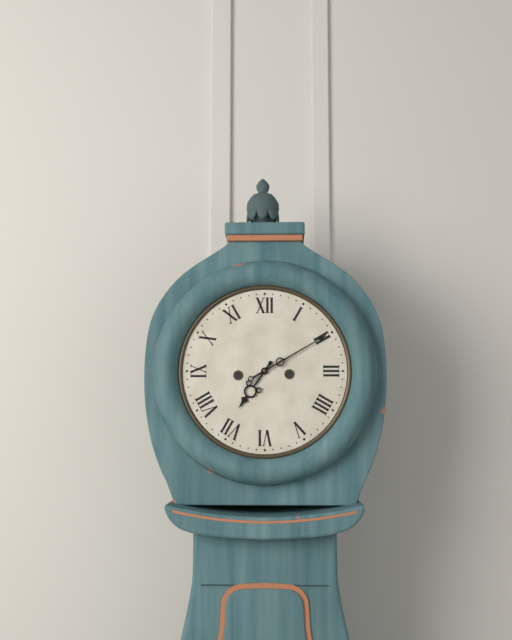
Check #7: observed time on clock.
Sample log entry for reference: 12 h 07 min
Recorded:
7 h 10 min
